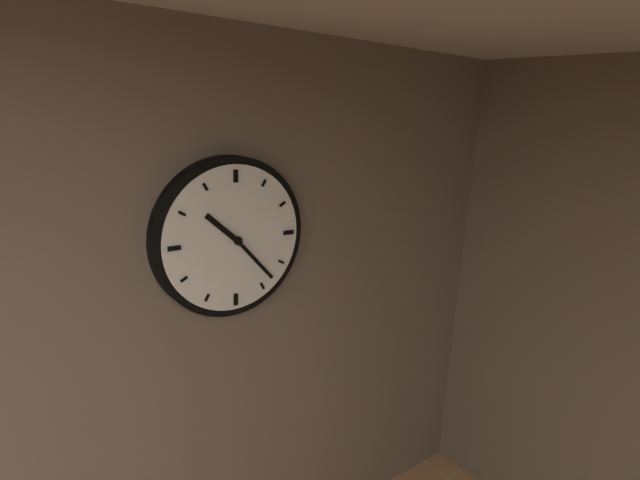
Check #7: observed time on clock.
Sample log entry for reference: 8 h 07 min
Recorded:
10 h 23 min
